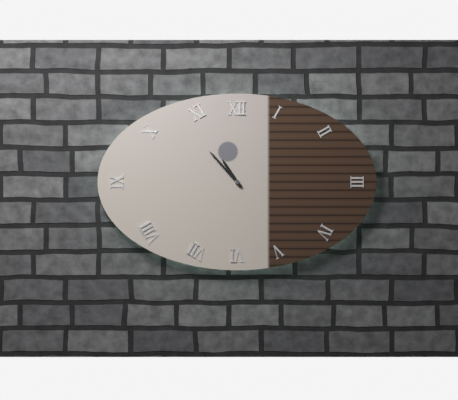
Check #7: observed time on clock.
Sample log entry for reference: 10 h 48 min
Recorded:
10 h 53 min
